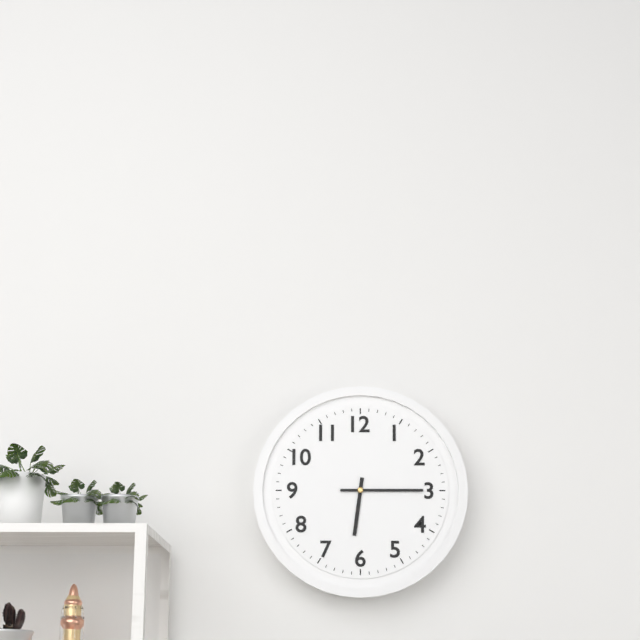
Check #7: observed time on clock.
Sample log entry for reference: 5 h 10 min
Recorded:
6 h 15 min
